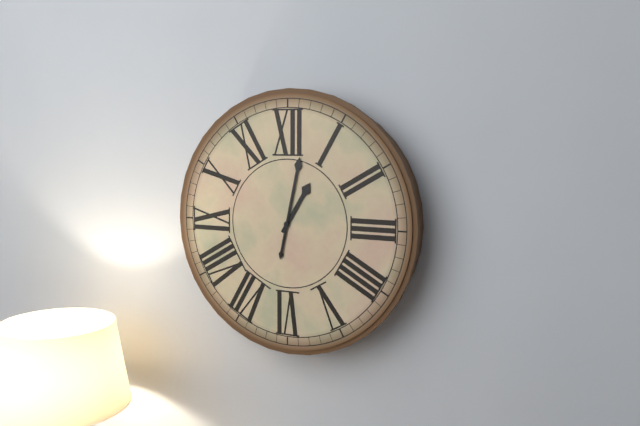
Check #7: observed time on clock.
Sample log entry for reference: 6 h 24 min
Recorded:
1 h 02 min
